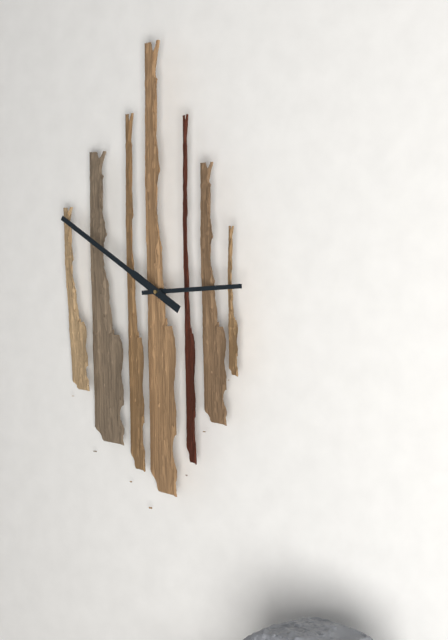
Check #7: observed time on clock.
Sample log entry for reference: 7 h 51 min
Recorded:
2 h 50 min
